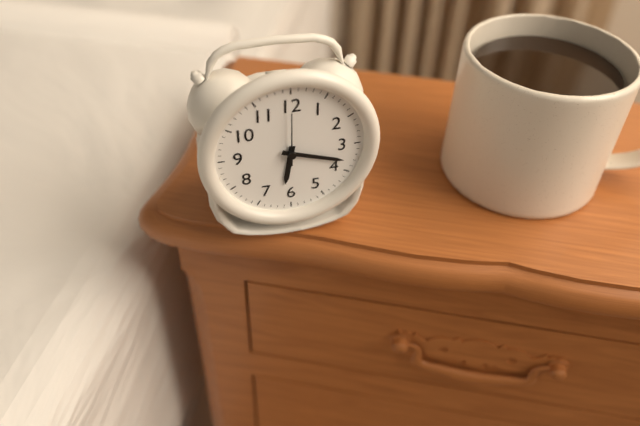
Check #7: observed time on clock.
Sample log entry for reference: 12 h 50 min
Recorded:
6 h 18 min
